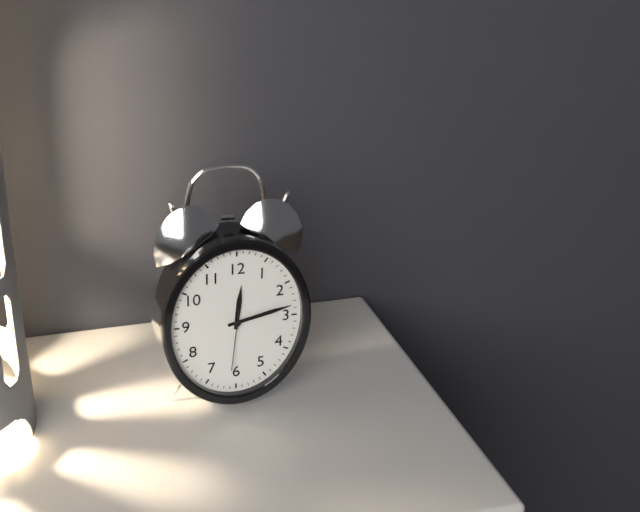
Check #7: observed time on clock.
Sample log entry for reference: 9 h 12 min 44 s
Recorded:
12 h 13 min 31 s
